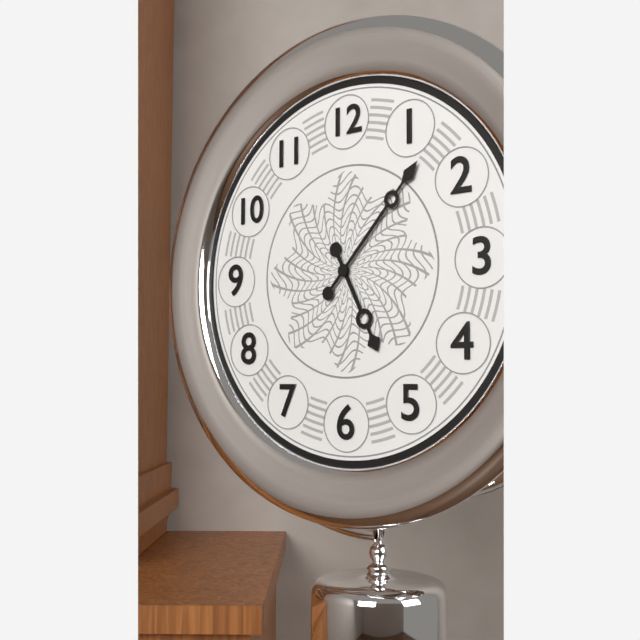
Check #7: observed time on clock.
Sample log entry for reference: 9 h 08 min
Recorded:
5 h 07 min
